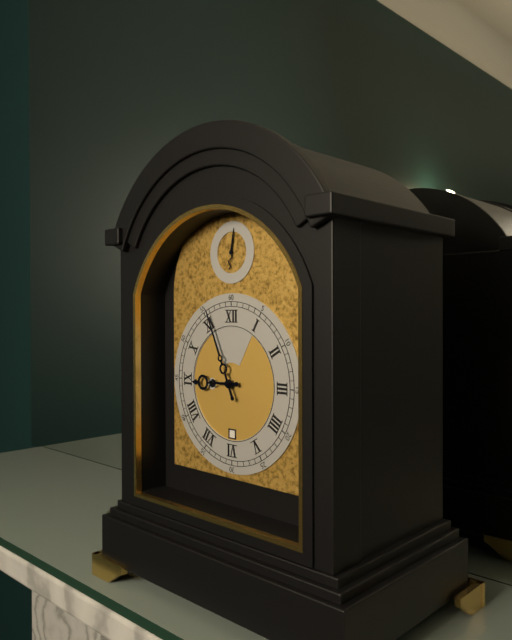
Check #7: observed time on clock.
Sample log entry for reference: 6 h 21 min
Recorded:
8 h 56 min
